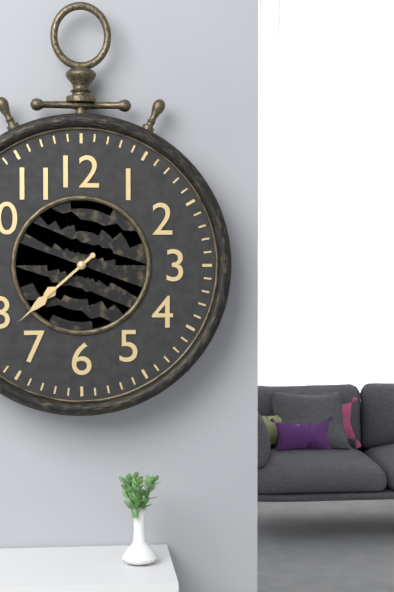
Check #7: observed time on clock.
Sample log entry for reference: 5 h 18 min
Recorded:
7 h 38 min
